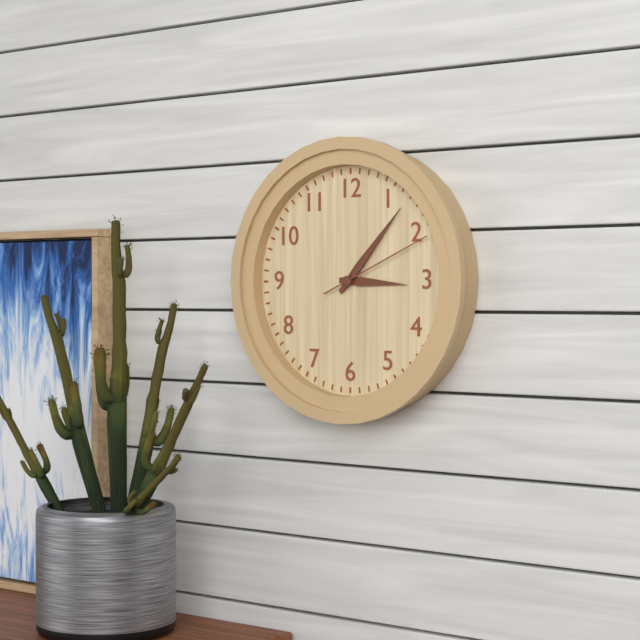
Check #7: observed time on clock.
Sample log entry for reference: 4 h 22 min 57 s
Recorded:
3 h 07 min 11 s
